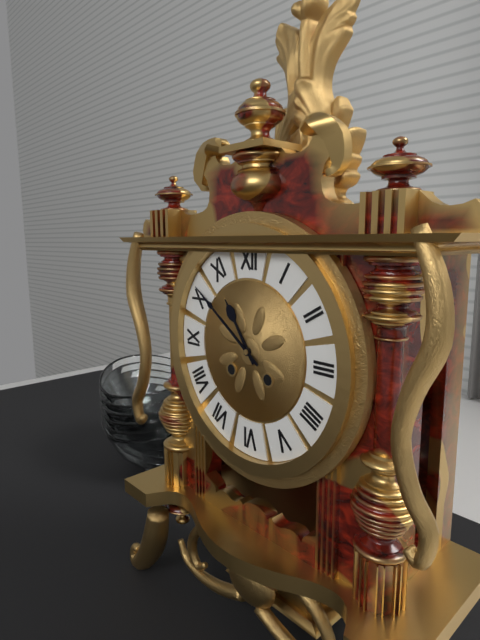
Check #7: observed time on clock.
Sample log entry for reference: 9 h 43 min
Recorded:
10 h 51 min
